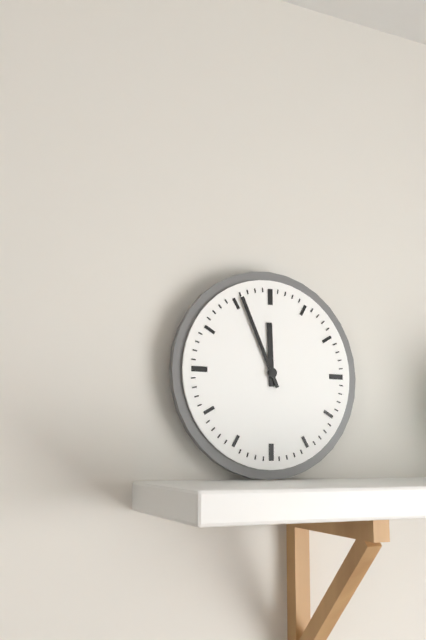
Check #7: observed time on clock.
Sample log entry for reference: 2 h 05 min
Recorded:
11 h 56 min
